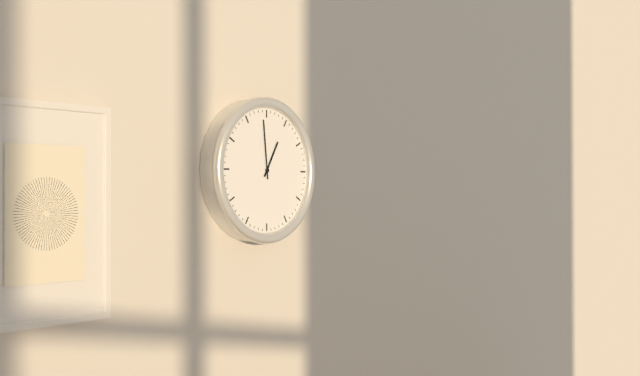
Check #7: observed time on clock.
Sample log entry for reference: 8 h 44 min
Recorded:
12 h 59 min
